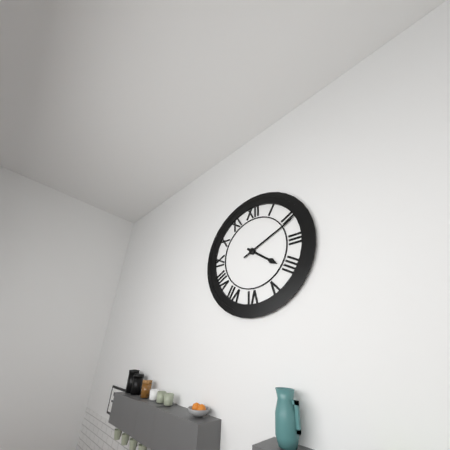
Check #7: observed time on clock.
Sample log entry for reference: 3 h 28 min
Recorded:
4 h 11 min
